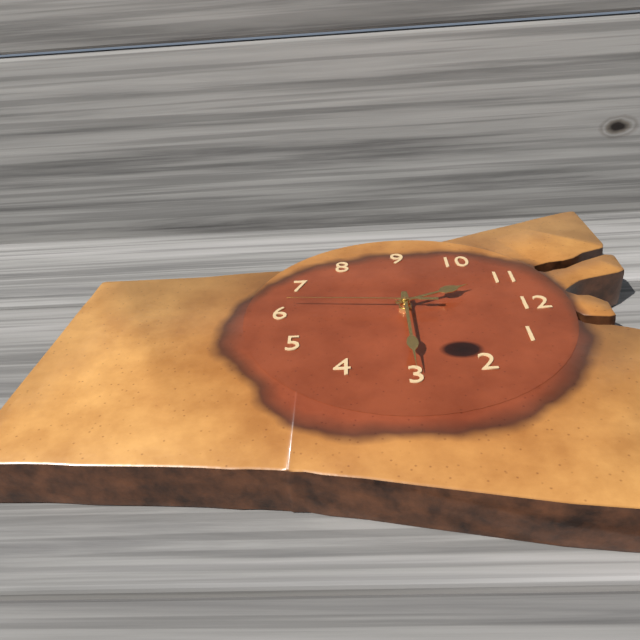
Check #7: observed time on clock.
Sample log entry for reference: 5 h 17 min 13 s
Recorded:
11 h 15 min 31 s
